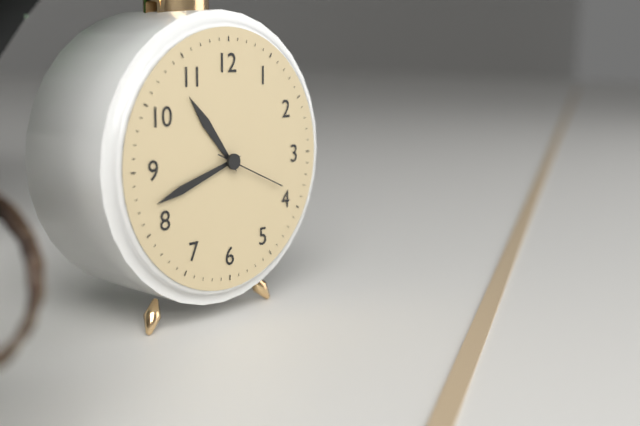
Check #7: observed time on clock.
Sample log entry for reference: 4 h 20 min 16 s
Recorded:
10 h 42 min 19 s
